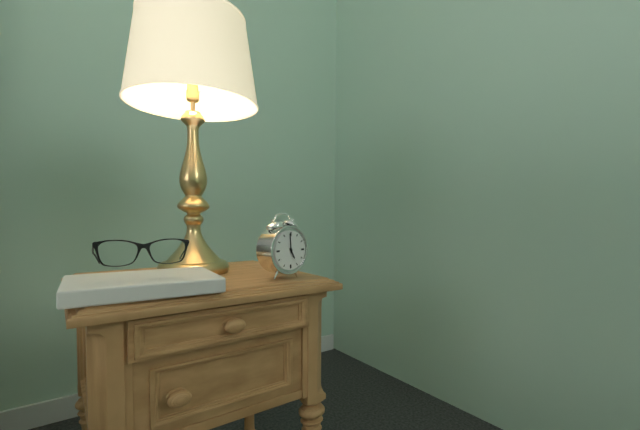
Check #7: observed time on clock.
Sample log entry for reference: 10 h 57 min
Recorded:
4 h 59 min
